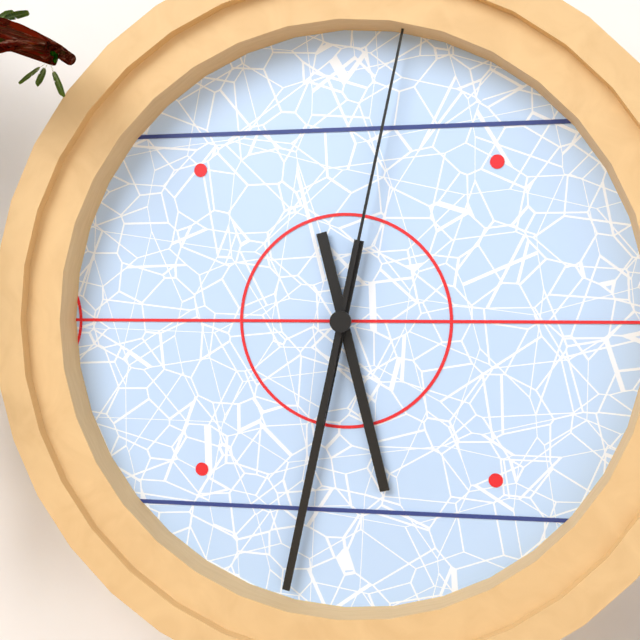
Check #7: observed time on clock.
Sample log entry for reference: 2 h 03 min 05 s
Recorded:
5 h 32 min 02 s
